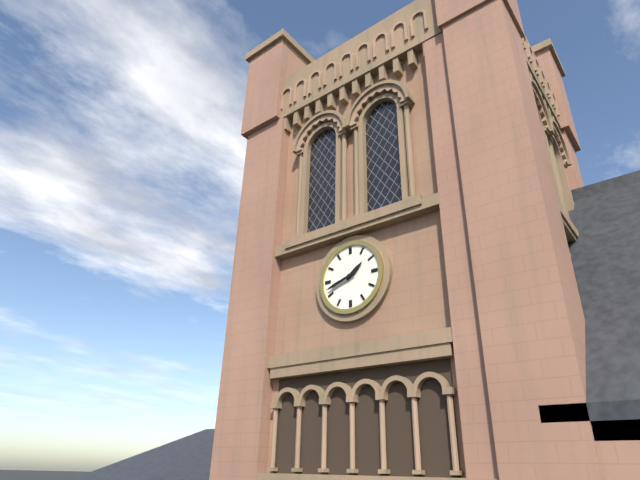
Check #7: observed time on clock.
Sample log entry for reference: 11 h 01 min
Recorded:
1 h 42 min
